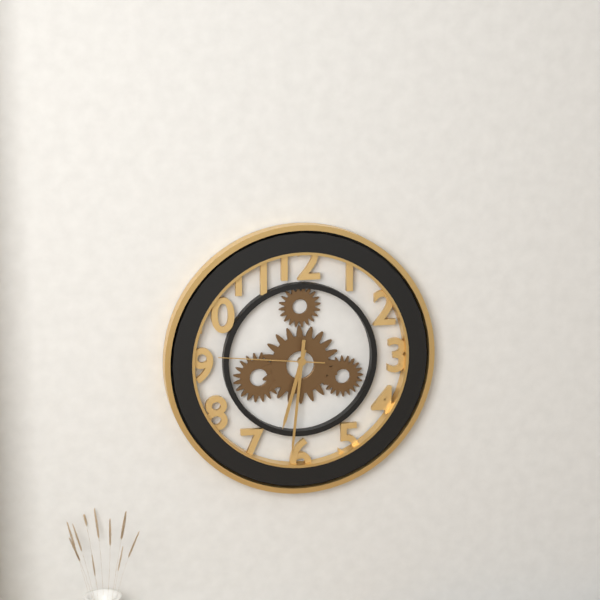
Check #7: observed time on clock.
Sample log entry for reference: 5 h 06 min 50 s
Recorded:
6 h 31 min 46 s
